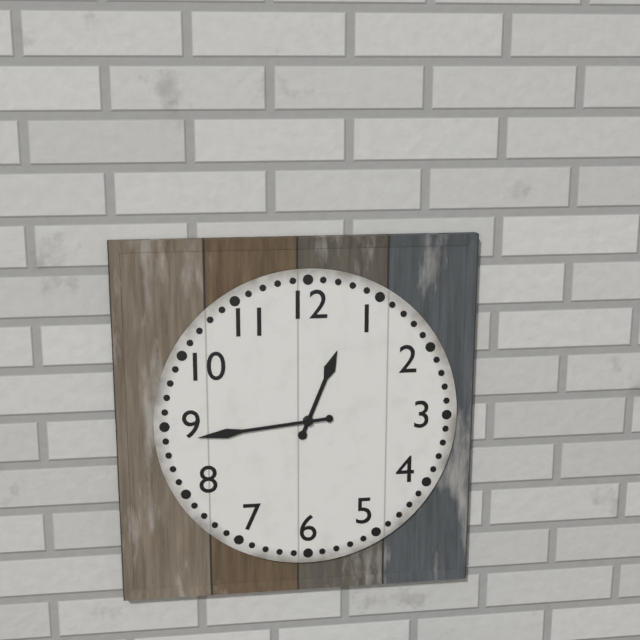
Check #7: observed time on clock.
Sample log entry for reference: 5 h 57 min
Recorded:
12 h 44 min
